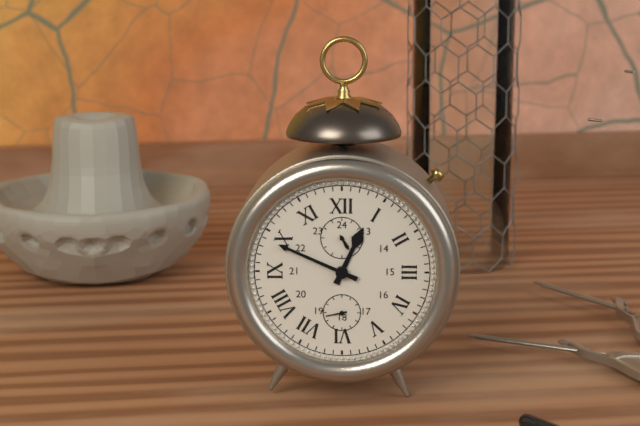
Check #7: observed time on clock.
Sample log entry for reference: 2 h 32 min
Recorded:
12 h 49 min
